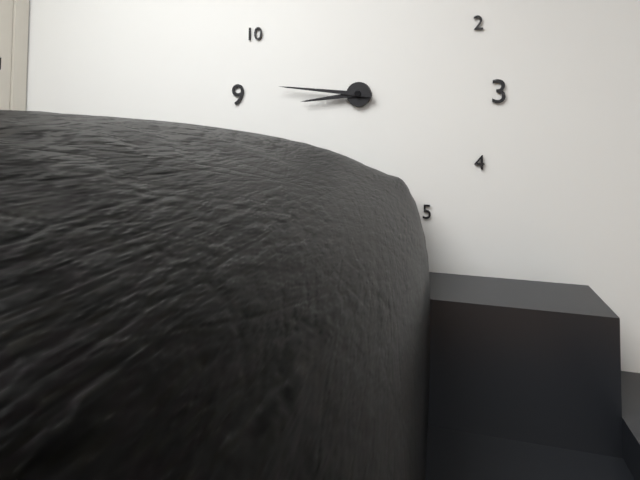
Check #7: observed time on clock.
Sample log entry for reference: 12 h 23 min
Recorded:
8 h 46 min
